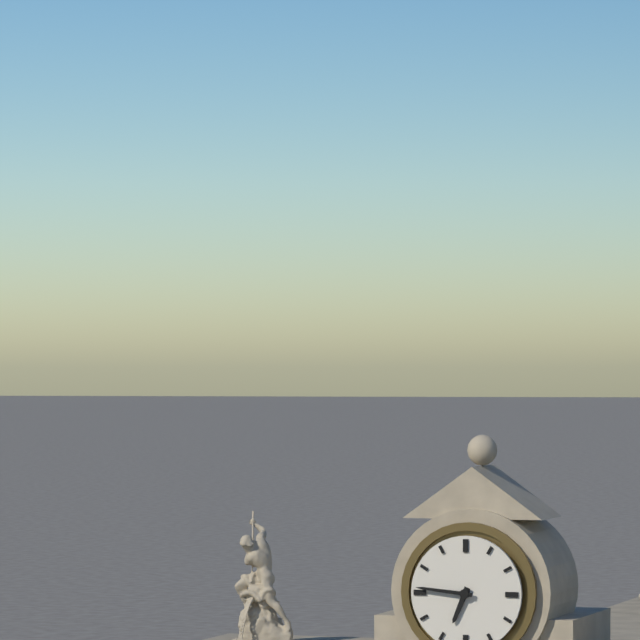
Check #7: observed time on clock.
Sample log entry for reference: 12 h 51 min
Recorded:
6 h 46 min
